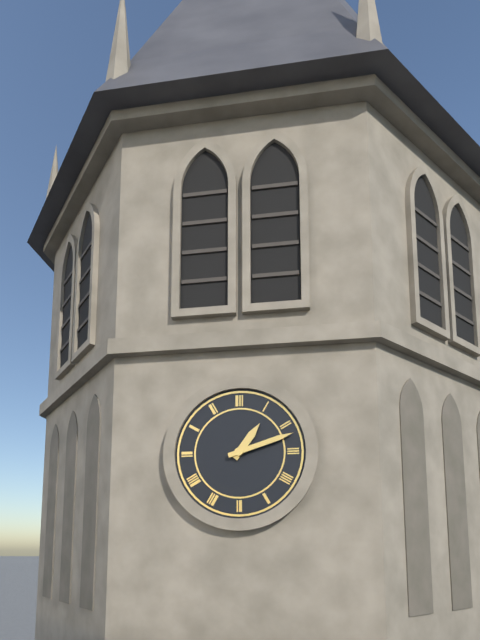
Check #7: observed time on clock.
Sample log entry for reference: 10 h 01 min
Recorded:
1 h 12 min
